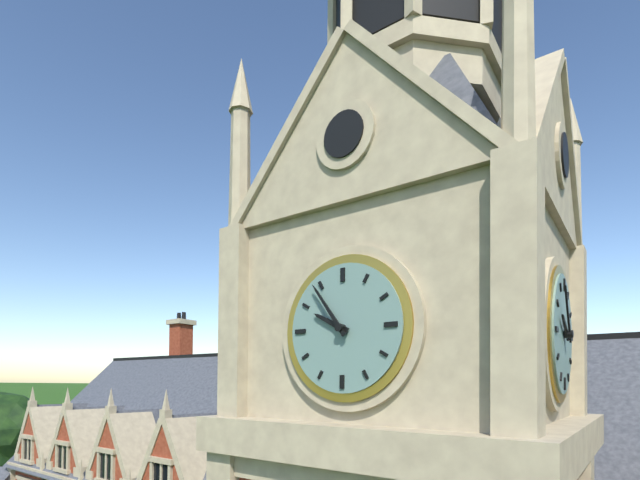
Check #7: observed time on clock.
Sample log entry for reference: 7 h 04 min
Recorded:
9 h 54 min
